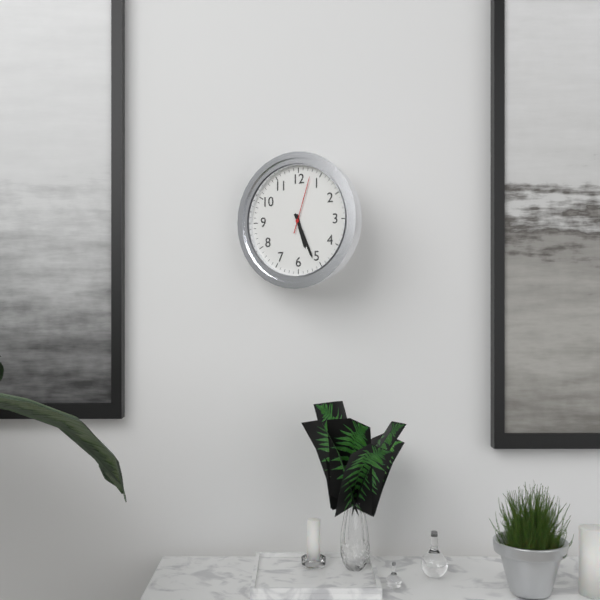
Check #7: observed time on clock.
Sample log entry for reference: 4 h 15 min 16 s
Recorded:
5 h 26 min 03 s
